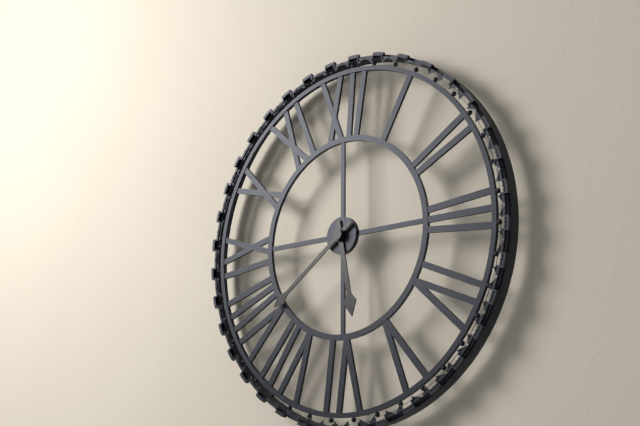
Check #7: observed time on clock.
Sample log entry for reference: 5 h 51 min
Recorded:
5 h 39 min
